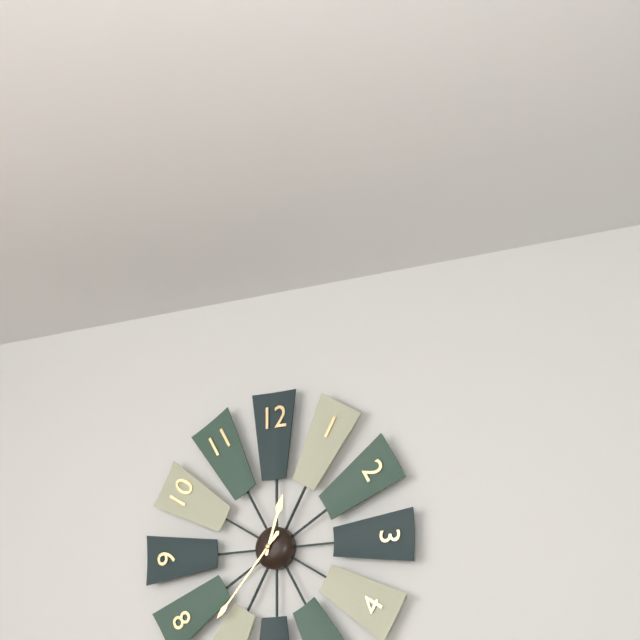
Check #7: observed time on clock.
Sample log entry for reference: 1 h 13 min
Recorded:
12 h 37 min
